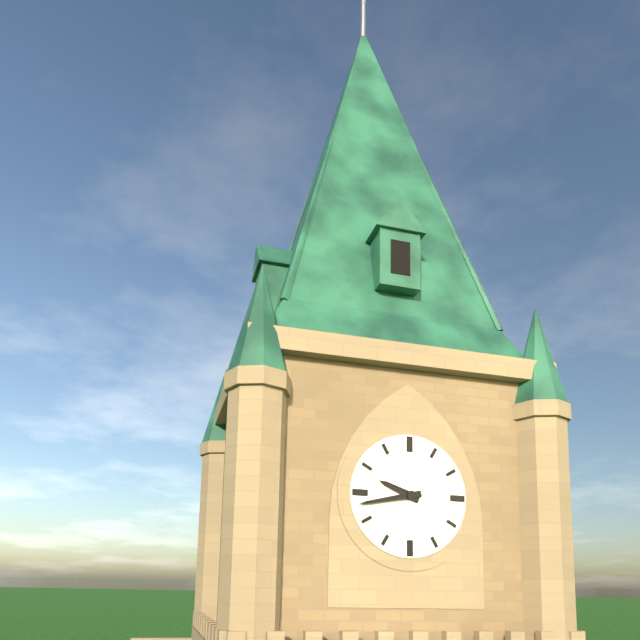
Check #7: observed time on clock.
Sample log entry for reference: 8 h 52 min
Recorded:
9 h 43 min
